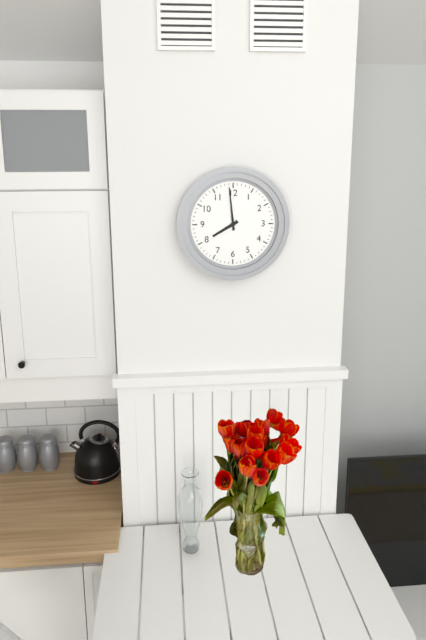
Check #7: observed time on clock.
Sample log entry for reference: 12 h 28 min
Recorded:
7 h 59 min
